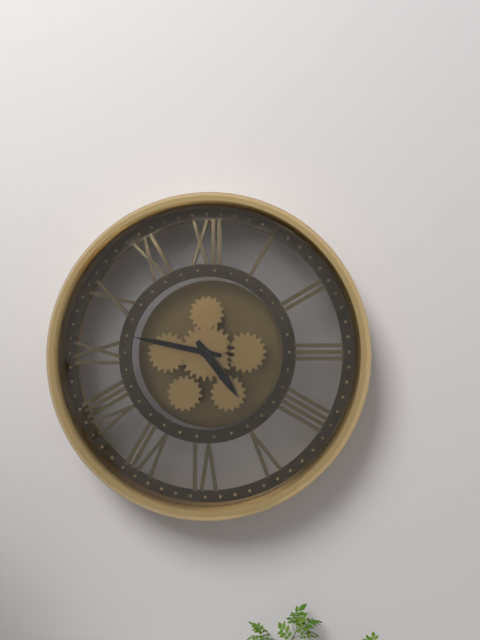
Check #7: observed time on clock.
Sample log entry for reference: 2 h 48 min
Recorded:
4 h 47 min
